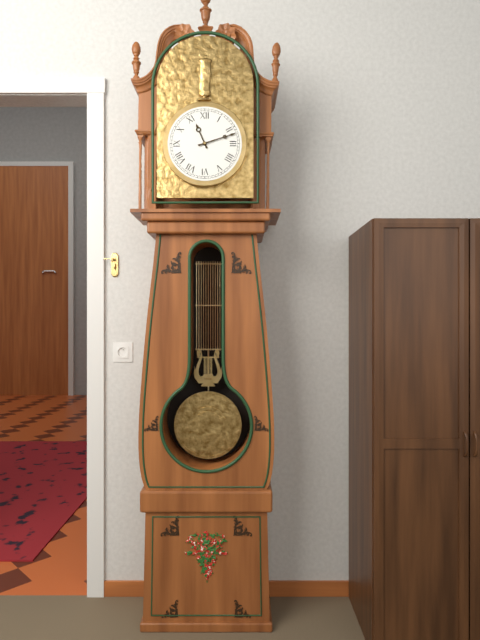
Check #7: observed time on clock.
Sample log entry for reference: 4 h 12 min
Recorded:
11 h 12 min
